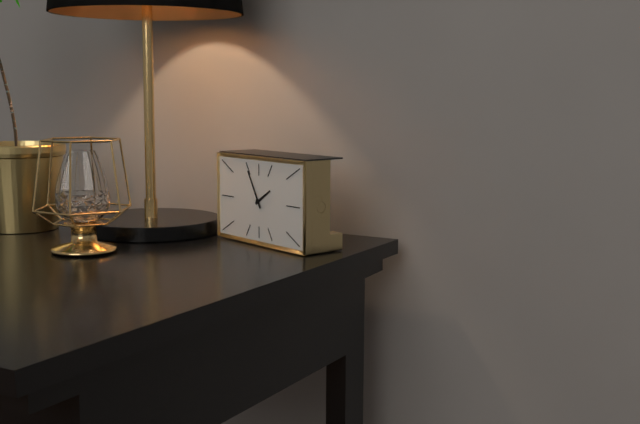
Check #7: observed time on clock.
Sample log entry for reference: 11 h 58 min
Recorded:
1 h 55 min
